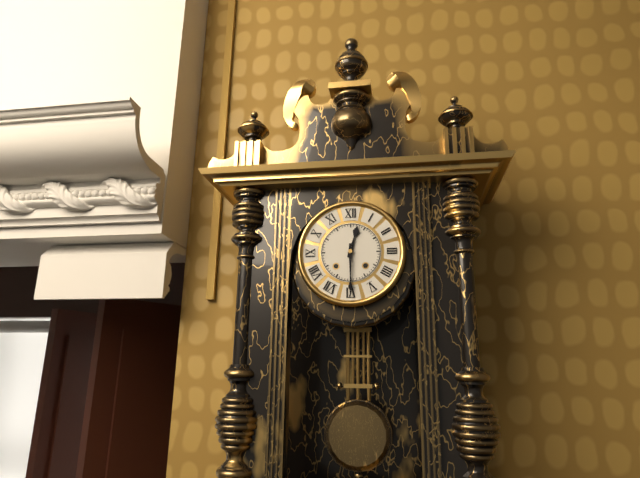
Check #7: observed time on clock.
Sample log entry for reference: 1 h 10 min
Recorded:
12 h 30 min
